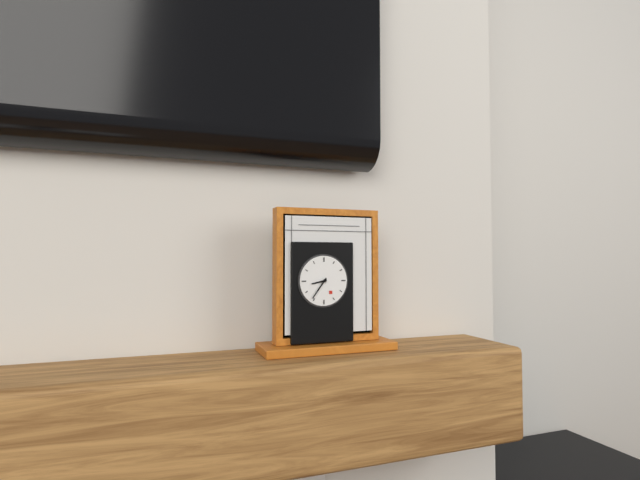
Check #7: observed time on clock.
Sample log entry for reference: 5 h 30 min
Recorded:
8 h 36 min
